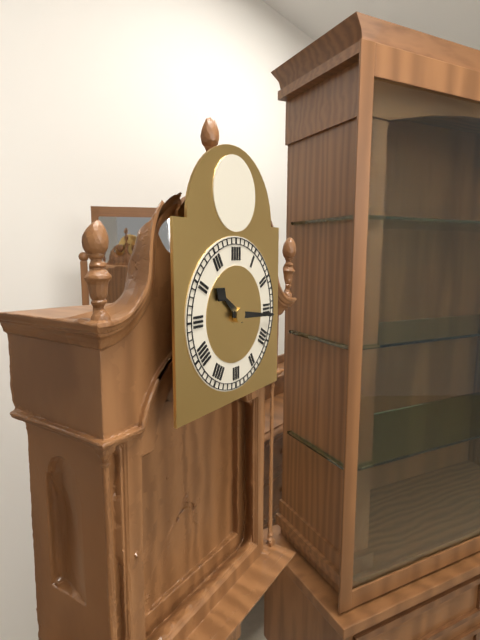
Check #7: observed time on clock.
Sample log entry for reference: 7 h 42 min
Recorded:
10 h 16 min
